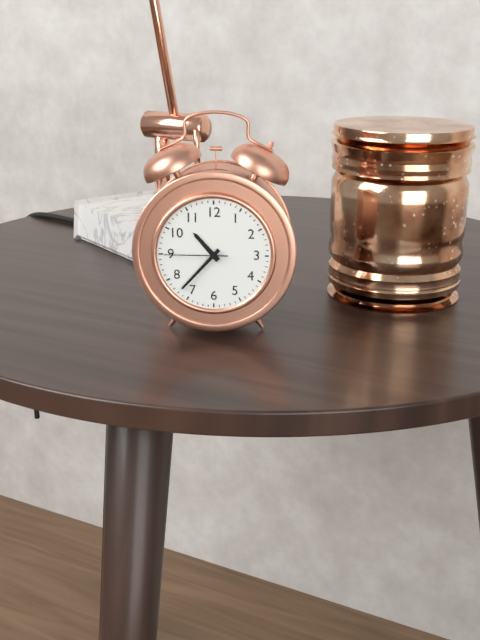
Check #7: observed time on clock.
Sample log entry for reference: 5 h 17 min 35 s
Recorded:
10 h 37 min 45 s
